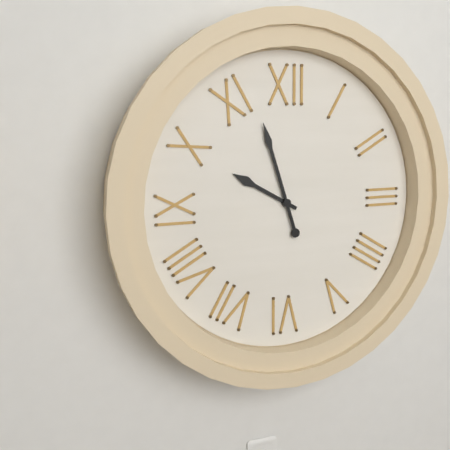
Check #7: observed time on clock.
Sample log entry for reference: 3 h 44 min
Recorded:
9 h 57 min
